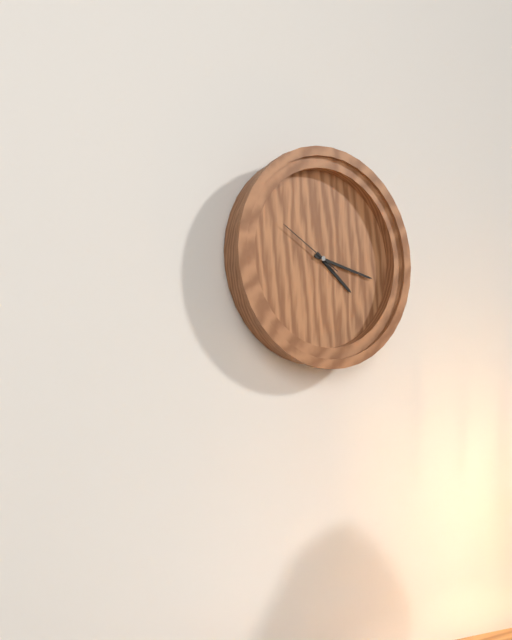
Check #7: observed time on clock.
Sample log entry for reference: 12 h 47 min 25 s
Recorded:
4 h 17 min 50 s
